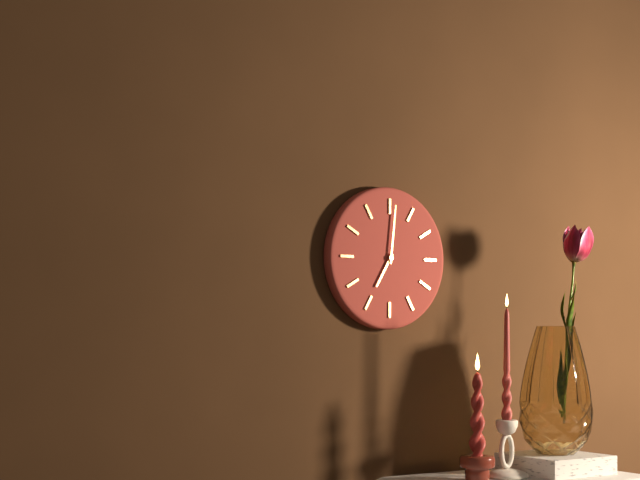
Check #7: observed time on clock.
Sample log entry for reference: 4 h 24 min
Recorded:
7 h 01 min
